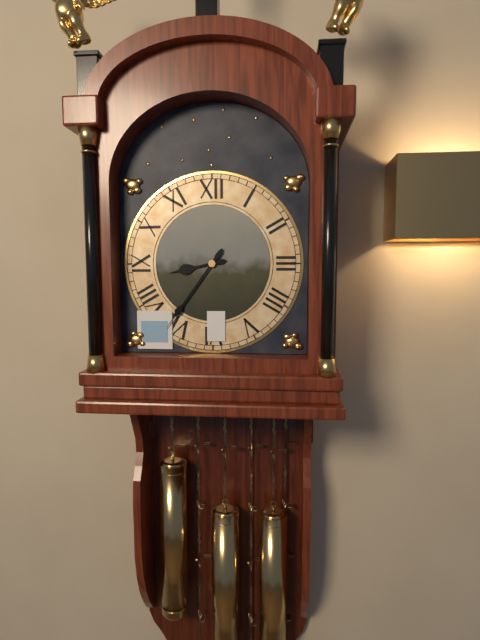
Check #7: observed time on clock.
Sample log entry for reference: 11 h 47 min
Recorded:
8 h 36 min
